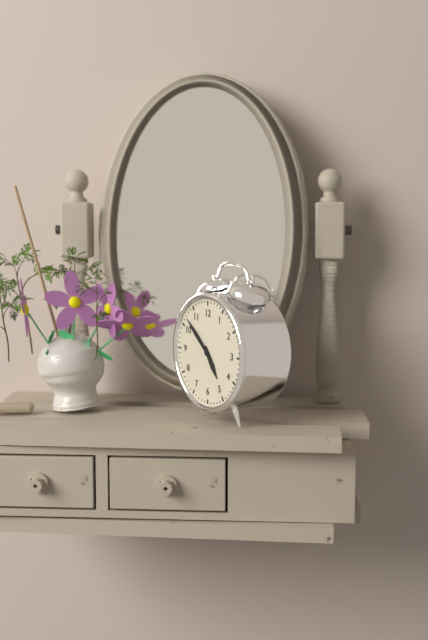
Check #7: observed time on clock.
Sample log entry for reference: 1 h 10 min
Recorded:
4 h 52 min
